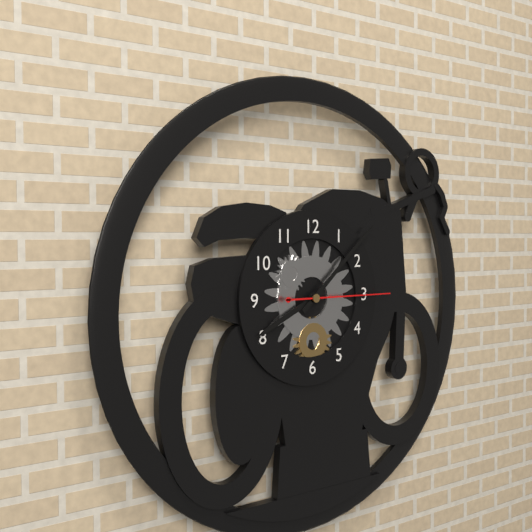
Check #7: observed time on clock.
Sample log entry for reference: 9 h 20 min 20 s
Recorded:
8 h 08 min 15 s
